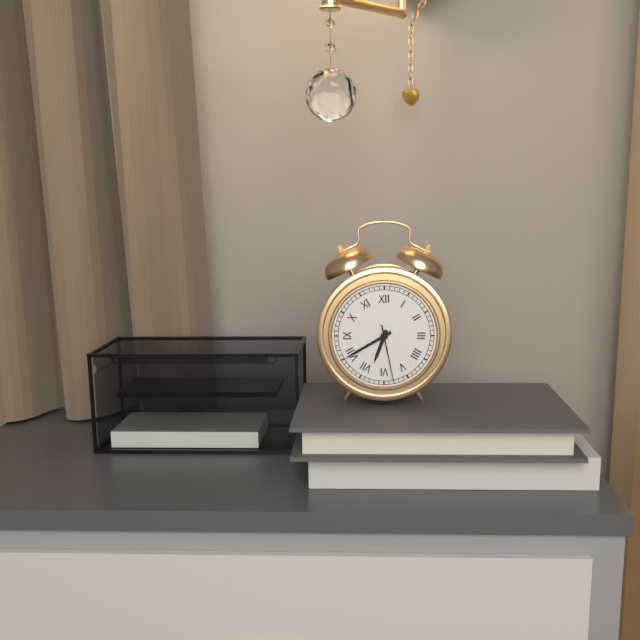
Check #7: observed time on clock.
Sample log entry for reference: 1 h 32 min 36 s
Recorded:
6 h 40 min 28 s
